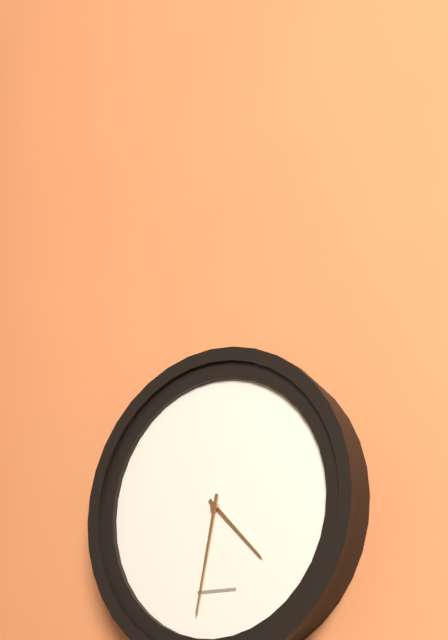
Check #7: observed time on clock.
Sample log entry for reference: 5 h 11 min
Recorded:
4 h 32 min
